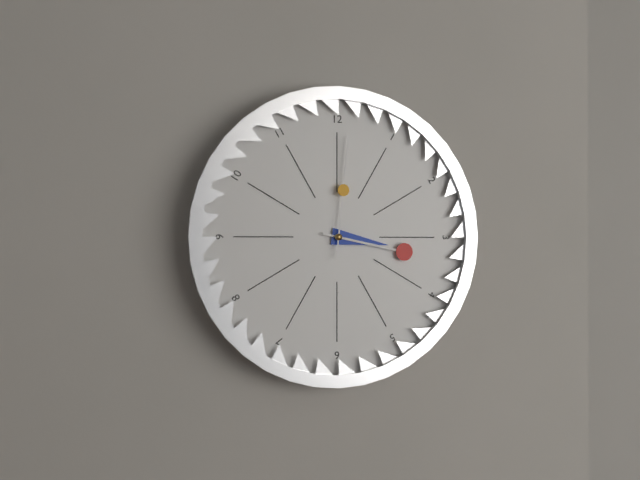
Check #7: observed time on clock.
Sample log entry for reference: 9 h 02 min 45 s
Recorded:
3 h 17 min 01 s
